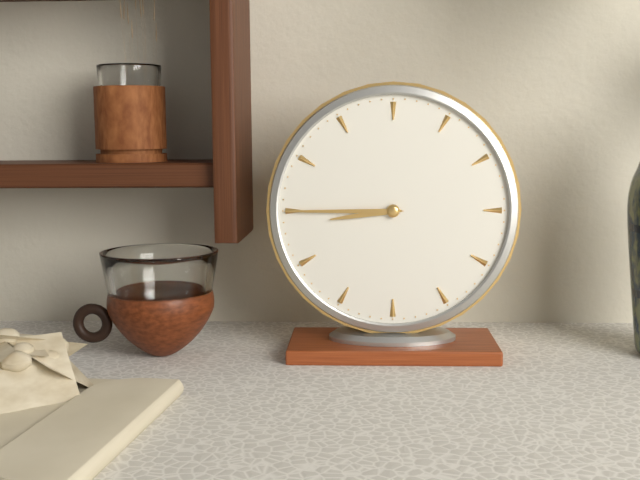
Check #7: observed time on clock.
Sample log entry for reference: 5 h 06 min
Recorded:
8 h 45 min
